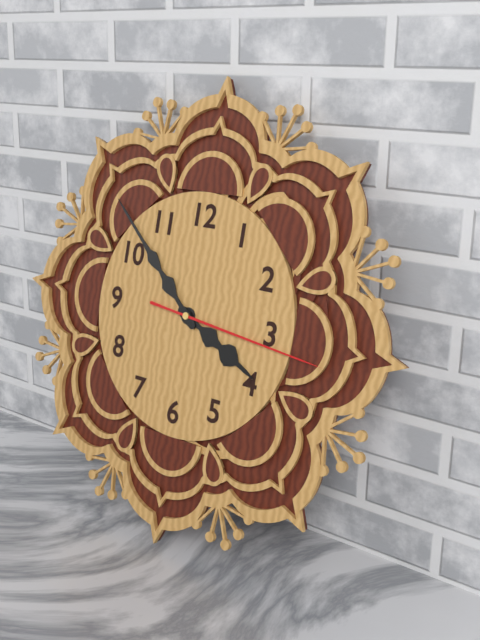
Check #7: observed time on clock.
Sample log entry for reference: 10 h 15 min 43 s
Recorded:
3 h 52 min 16 s
